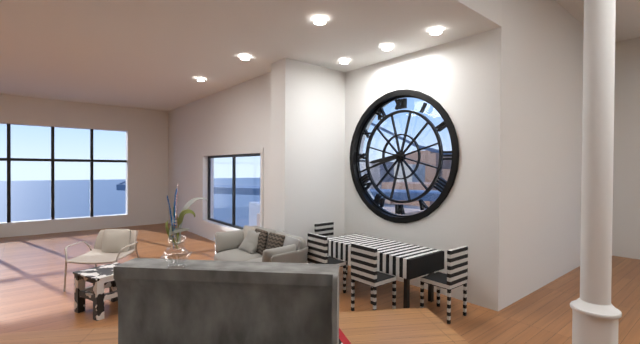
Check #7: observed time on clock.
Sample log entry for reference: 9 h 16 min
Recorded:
8 h 42 min
